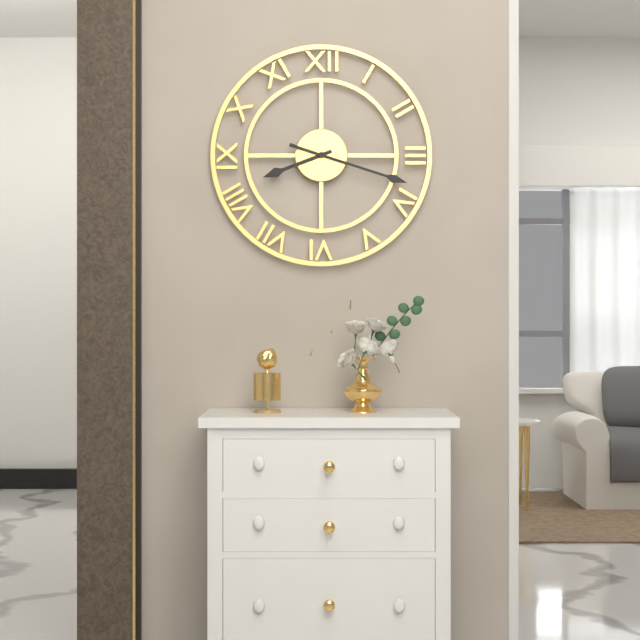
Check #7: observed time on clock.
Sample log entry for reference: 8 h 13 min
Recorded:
8 h 18 min
